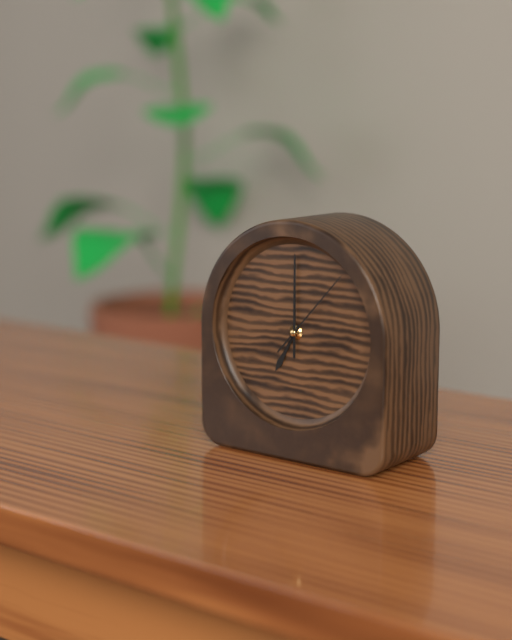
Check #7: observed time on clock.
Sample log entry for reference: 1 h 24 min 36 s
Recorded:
7 h 00 min 07 s
